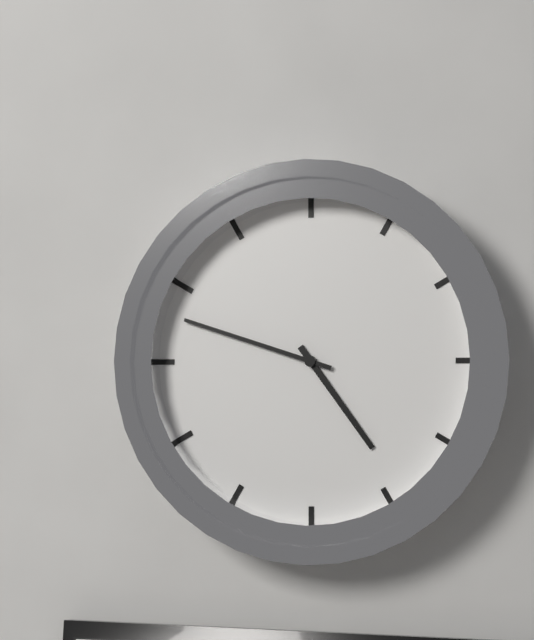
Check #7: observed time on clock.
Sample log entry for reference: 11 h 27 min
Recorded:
4 h 48 min
